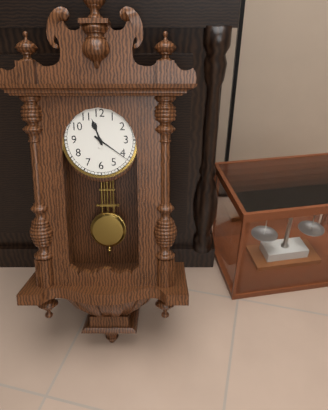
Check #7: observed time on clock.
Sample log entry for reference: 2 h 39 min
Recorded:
11 h 21 min
